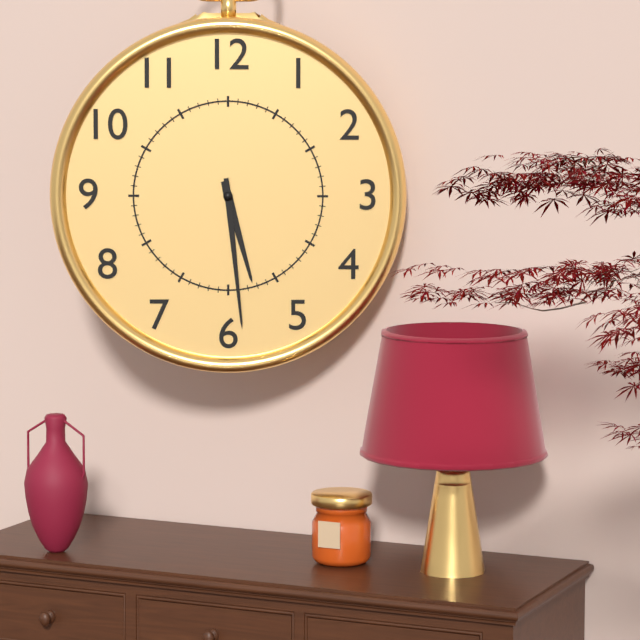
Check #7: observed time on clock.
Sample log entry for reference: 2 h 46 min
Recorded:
5 h 29 min
